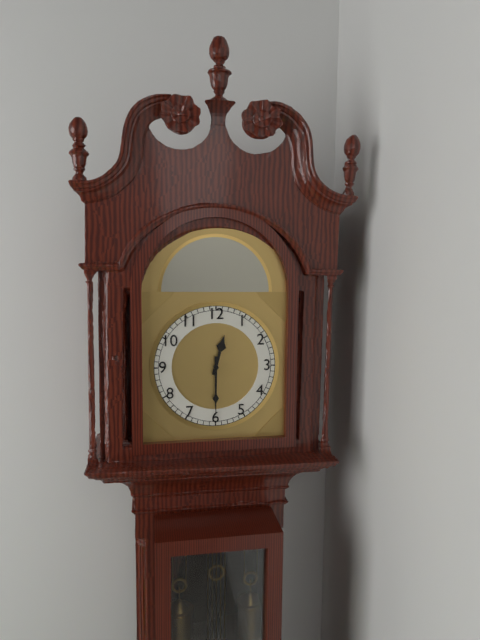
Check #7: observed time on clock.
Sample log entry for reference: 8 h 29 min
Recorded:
12 h 30 min
